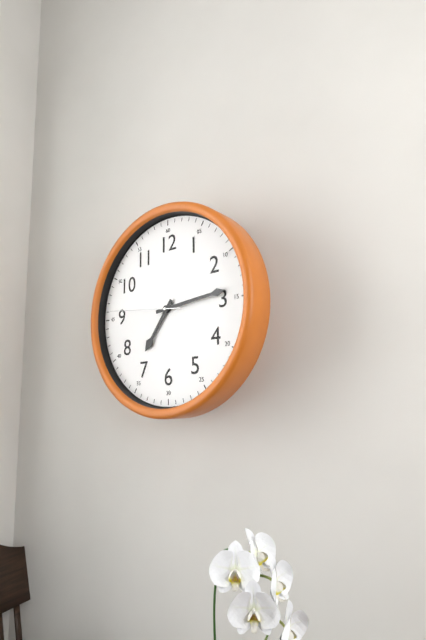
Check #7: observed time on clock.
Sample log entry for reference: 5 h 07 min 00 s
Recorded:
7 h 14 min 46 s
